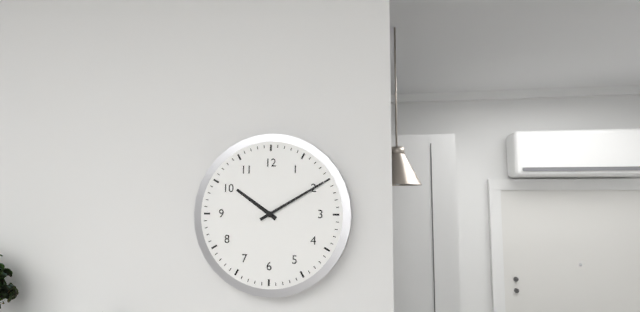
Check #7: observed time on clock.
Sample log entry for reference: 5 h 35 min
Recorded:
10 h 10 min
